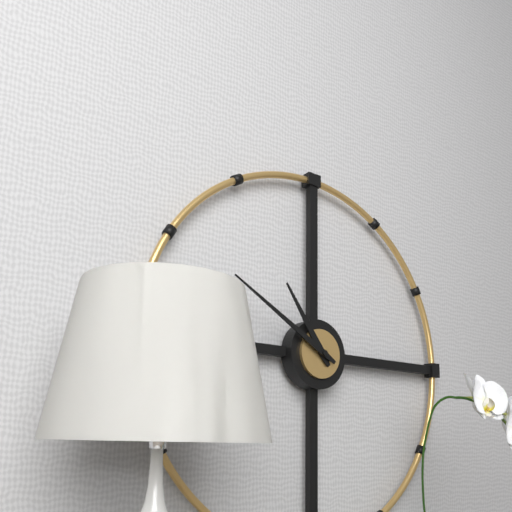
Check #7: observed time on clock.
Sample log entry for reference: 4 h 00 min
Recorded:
10 h 50 min
